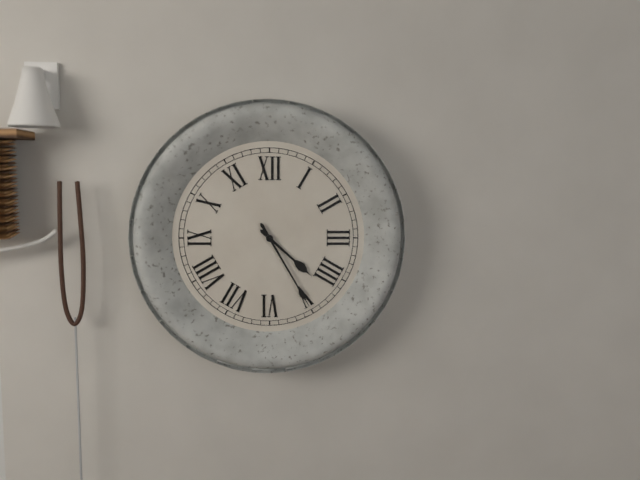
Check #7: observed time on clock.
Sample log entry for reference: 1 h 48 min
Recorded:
4 h 25 min
